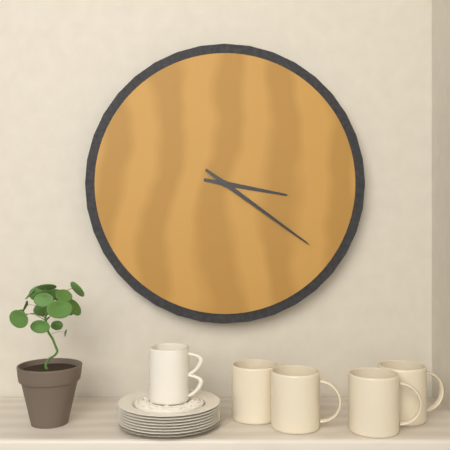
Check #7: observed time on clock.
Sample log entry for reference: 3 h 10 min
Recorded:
3 h 21 min
